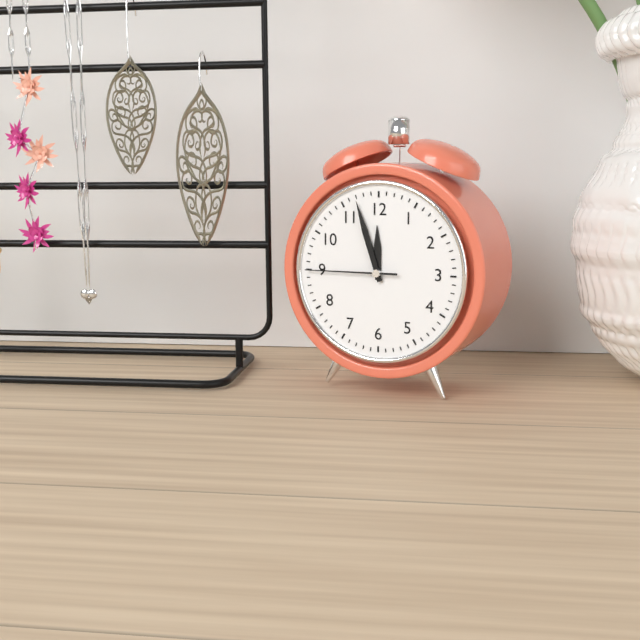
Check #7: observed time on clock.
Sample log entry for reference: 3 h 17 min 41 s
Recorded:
11 h 57 min 45 s
